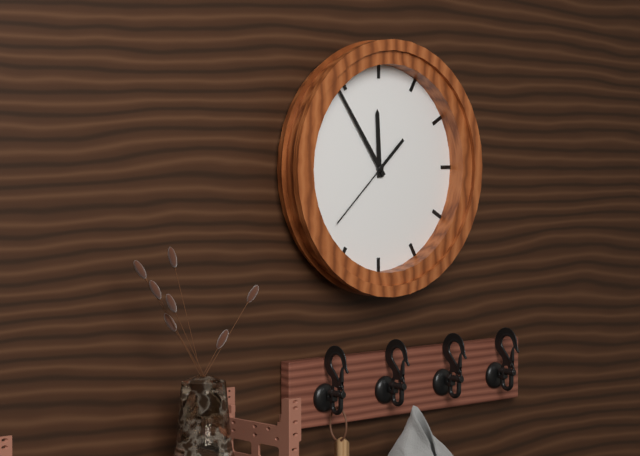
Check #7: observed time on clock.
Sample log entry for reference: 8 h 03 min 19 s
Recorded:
11 h 54 min 38 s
